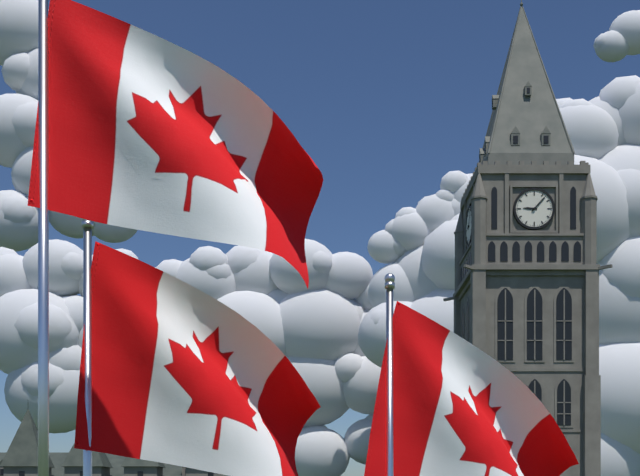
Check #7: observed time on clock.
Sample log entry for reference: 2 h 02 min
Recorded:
9 h 07 min
